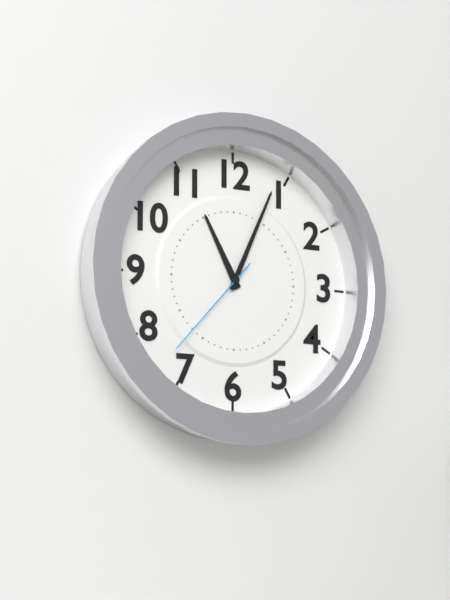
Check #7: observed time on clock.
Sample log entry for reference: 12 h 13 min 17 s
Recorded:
11 h 04 min 37 s
